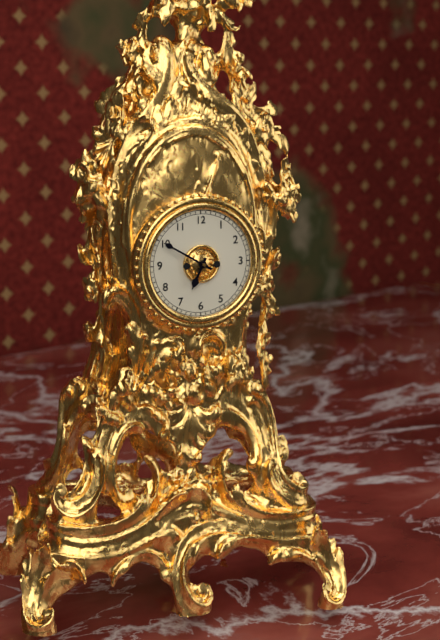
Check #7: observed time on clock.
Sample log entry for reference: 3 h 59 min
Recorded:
6 h 50 min
